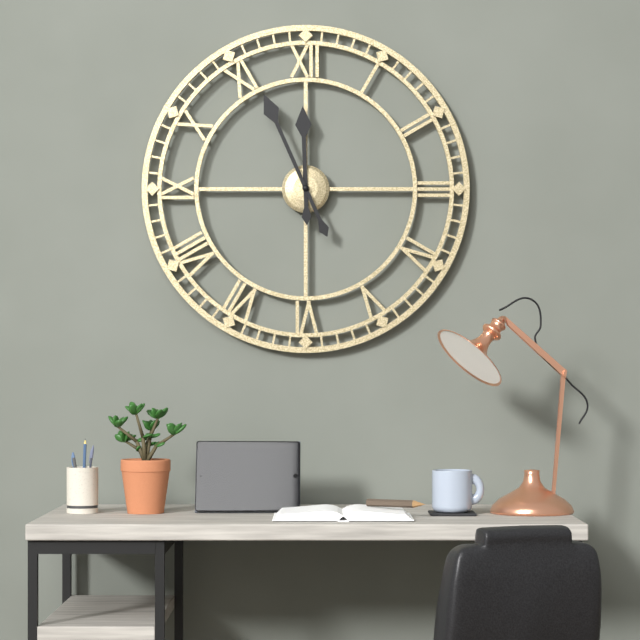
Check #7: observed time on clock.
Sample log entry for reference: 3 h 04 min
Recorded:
11 h 56 min
